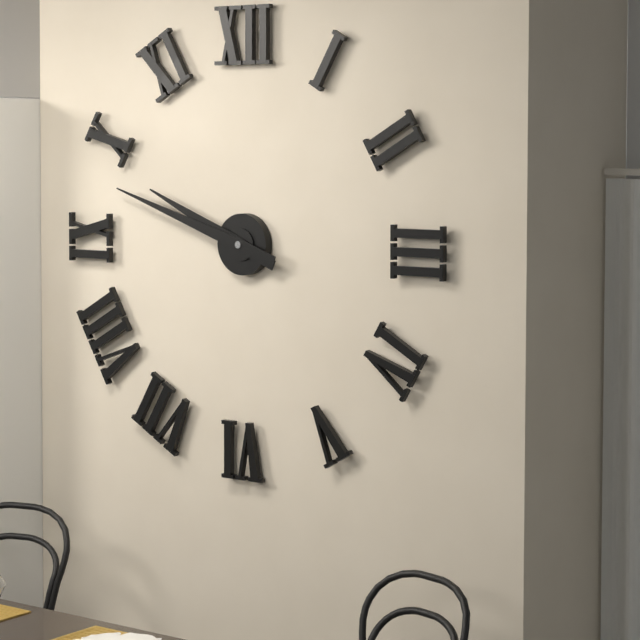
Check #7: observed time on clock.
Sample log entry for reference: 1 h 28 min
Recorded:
9 h 48 min
